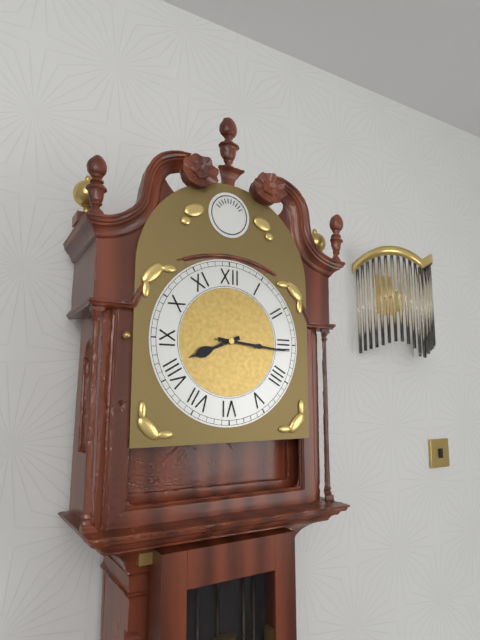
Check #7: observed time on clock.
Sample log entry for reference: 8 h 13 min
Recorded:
8 h 16 min
